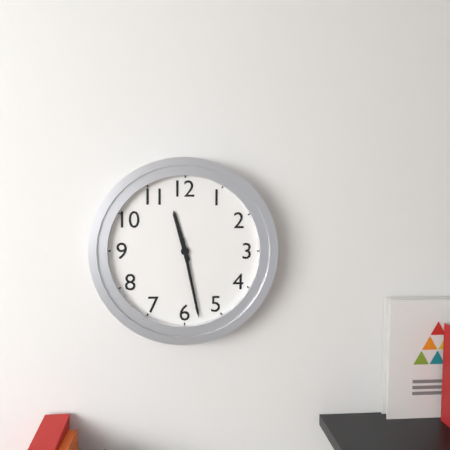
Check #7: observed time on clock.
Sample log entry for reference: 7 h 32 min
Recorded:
11 h 28 min
